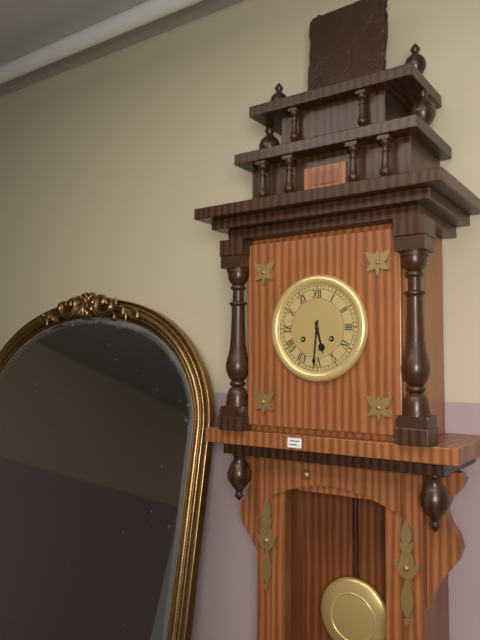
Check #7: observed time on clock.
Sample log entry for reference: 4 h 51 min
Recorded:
5 h 31 min
